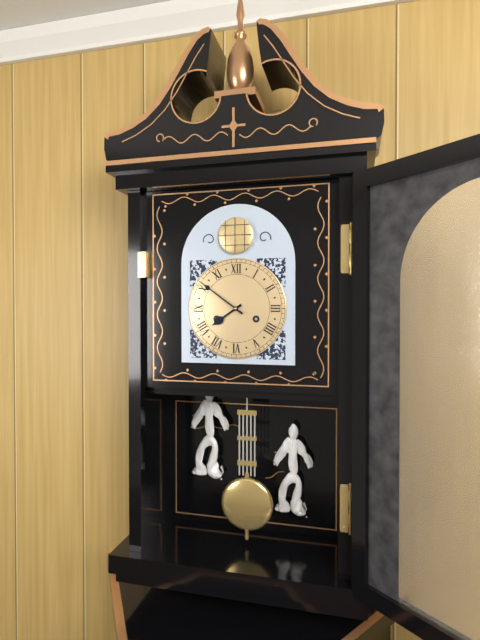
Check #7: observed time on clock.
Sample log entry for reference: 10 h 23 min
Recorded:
7 h 51 min
